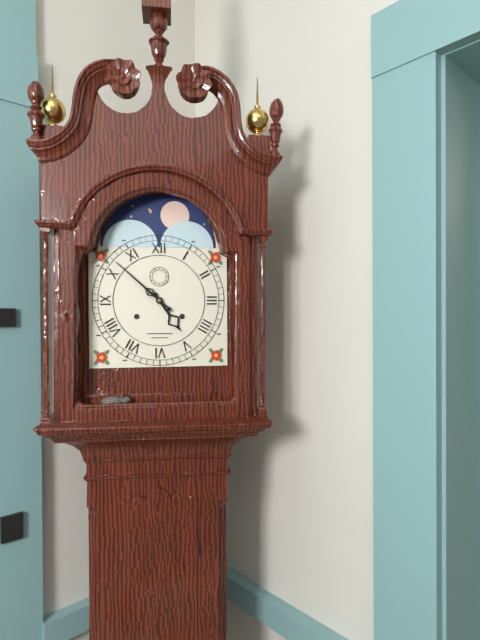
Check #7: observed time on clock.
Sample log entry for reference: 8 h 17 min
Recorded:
4 h 52 min
